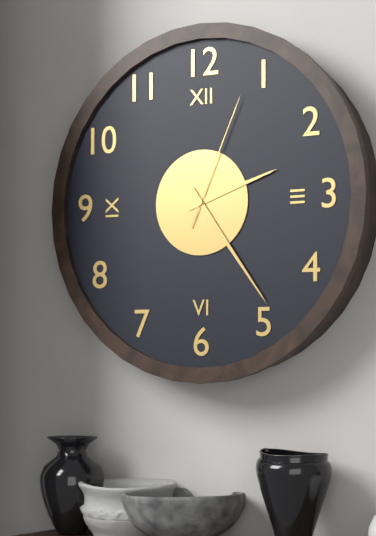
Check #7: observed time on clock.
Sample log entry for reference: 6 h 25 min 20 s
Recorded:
2 h 24 min 04 s
